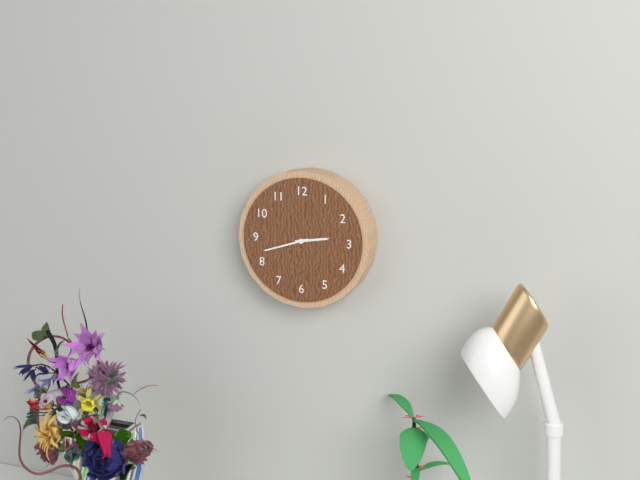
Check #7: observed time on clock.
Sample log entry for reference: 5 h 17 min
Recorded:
2 h 42 min
